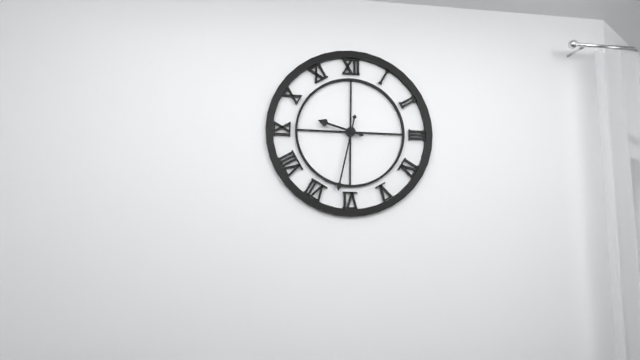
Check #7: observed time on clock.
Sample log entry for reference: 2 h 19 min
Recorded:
9 h 32 min
